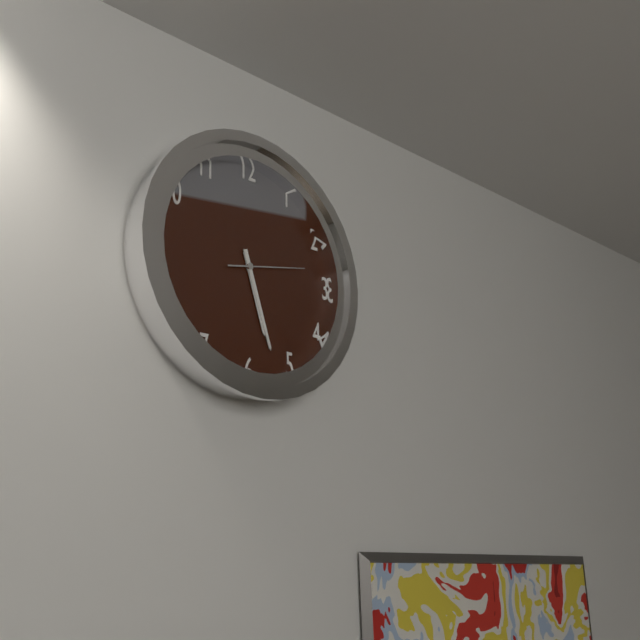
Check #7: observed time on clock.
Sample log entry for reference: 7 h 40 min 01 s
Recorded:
5 h 27 min 13 s
